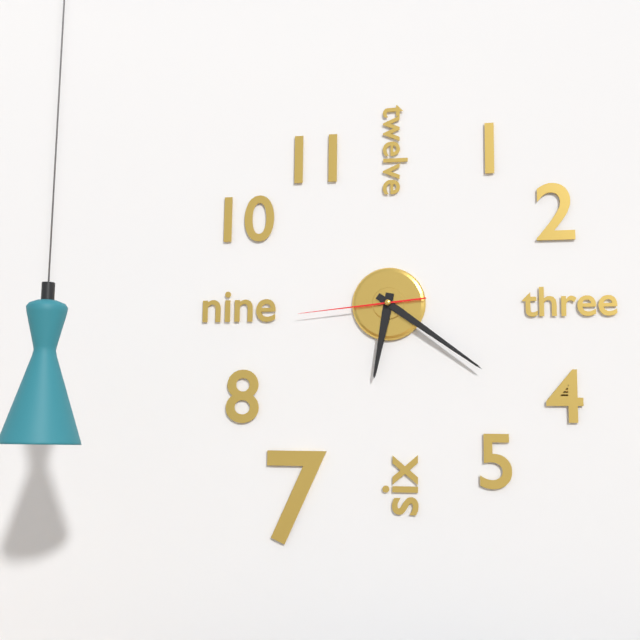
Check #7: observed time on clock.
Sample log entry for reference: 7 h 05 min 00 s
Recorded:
6 h 21 min 44 s
